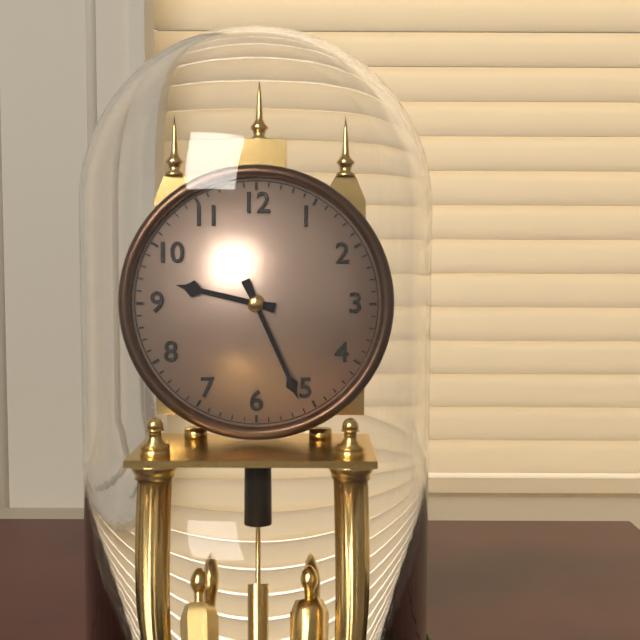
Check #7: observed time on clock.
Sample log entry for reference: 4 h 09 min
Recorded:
9 h 26 min
